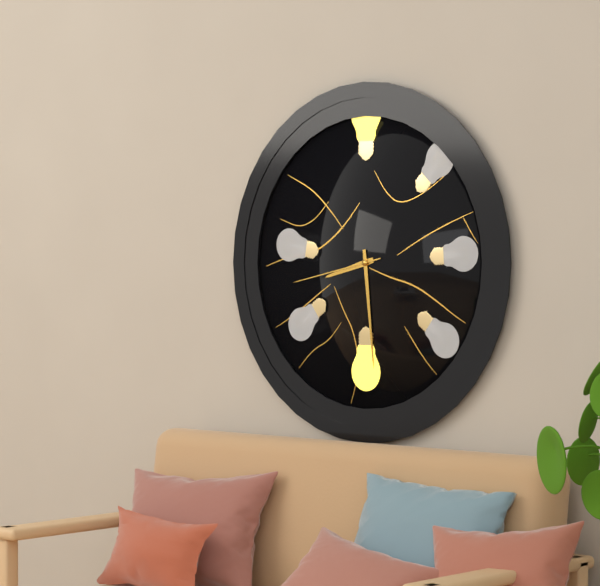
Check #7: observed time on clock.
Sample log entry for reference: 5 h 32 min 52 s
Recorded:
8 h 29 min 43 s
